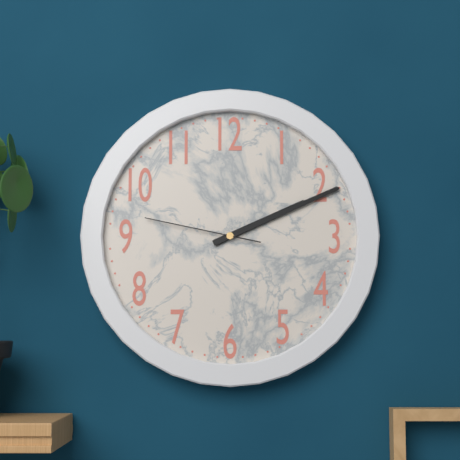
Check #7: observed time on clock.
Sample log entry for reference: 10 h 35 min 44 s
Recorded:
2 h 11 min 47 s
